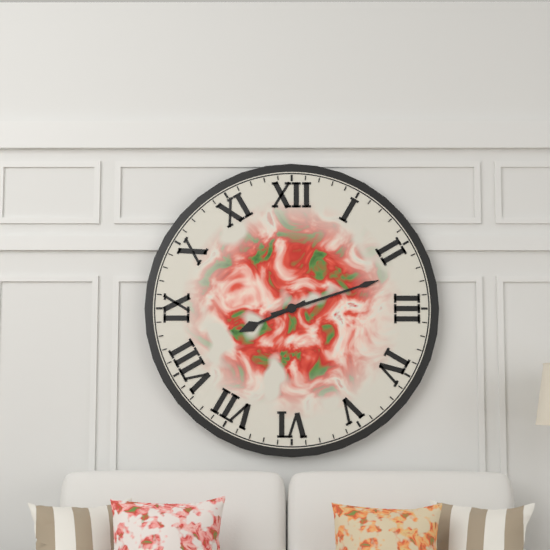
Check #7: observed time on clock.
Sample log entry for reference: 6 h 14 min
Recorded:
8 h 12 min
